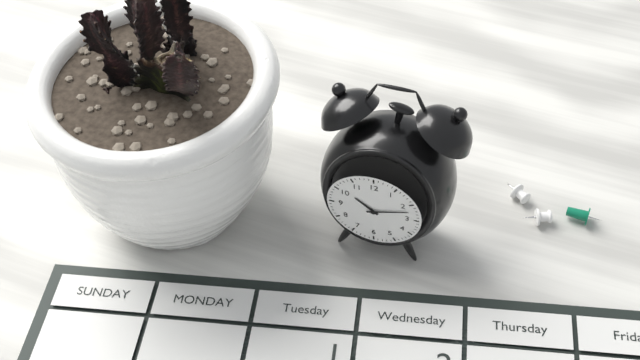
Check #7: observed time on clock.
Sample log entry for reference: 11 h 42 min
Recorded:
10 h 12 min
